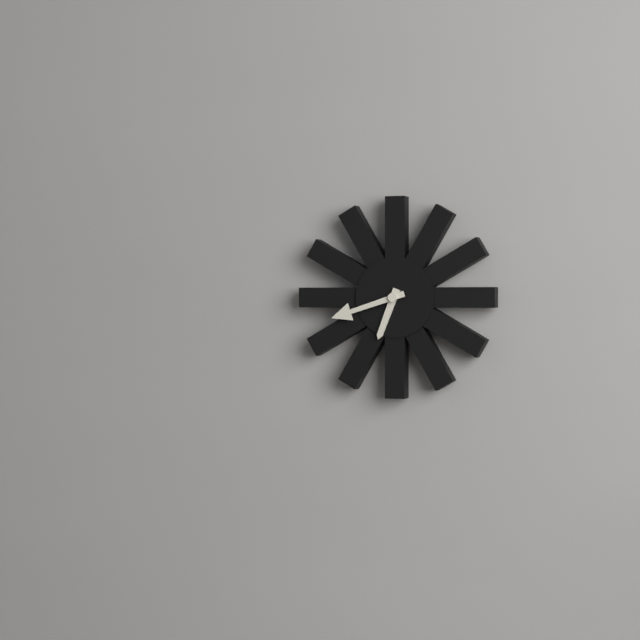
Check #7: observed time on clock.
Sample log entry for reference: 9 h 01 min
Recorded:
6 h 42 min
